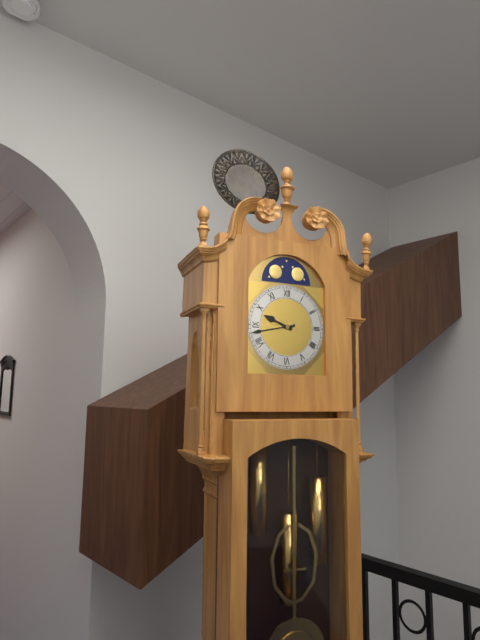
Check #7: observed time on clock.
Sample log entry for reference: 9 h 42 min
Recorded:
9 h 43 min
